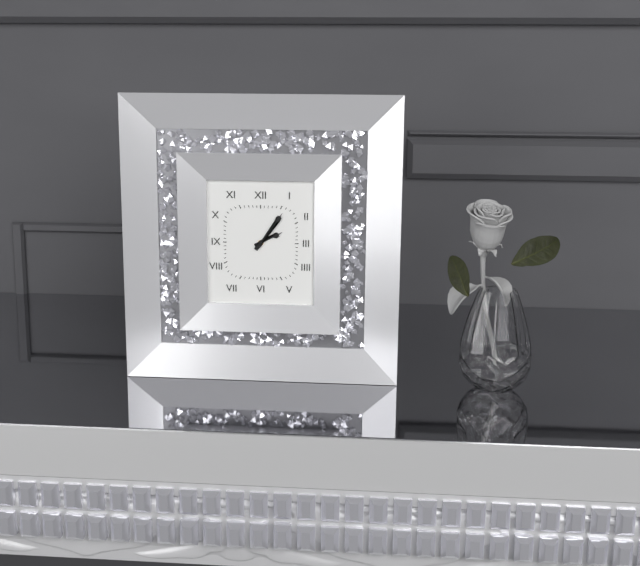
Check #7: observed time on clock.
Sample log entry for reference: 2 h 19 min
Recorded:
2 h 06 min
